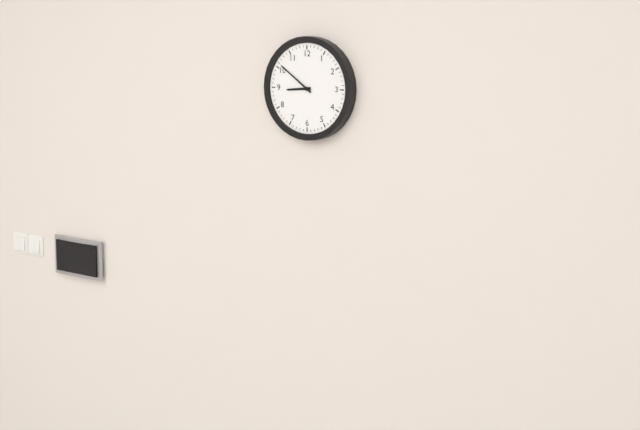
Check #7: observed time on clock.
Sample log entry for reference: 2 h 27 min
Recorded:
8 h 51 min
